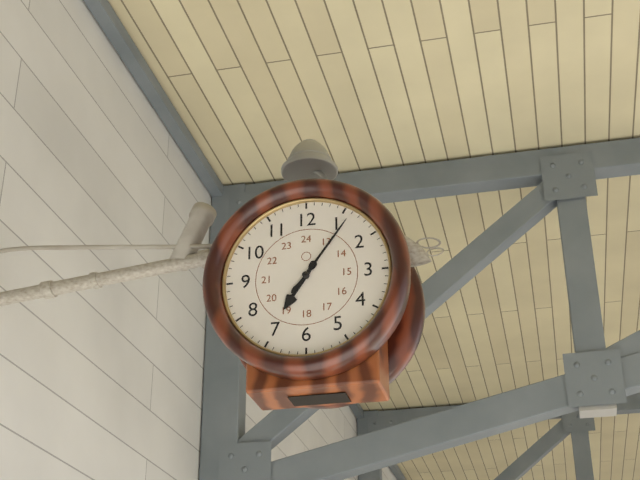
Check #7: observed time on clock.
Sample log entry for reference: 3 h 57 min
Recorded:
7 h 06 min
